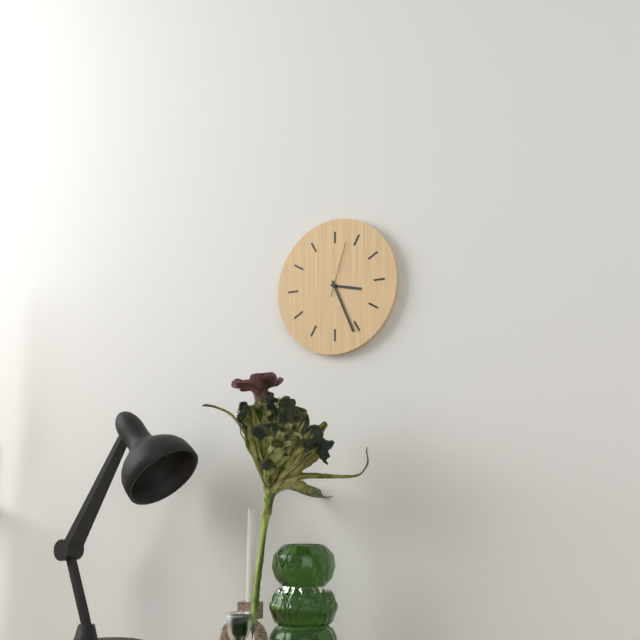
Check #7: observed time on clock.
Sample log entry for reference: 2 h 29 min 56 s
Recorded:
3 h 26 min 03 s
